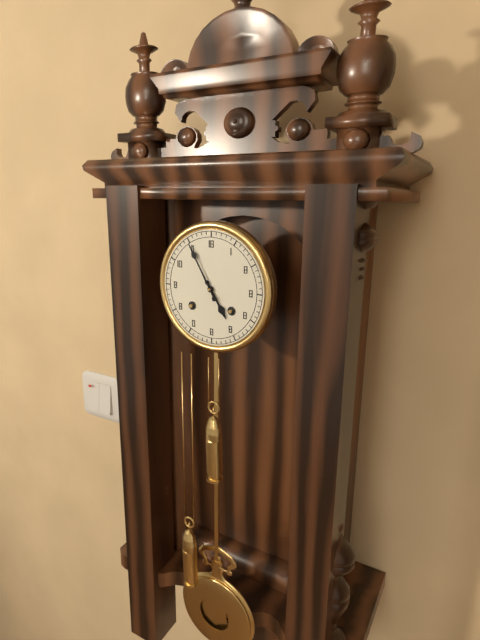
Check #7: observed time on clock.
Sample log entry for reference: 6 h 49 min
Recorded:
4 h 55 min
